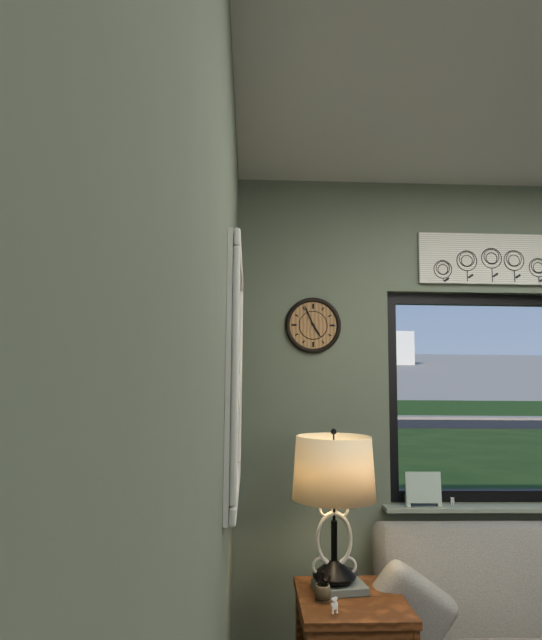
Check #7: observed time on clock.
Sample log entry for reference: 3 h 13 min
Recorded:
4 h 56 min
